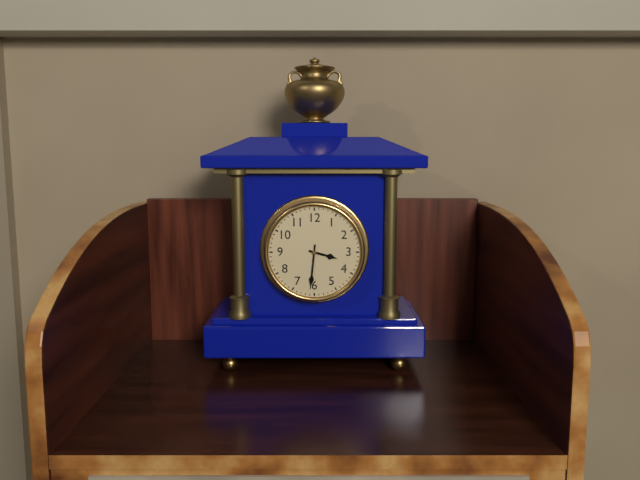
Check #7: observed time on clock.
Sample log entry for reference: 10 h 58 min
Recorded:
3 h 31 min
